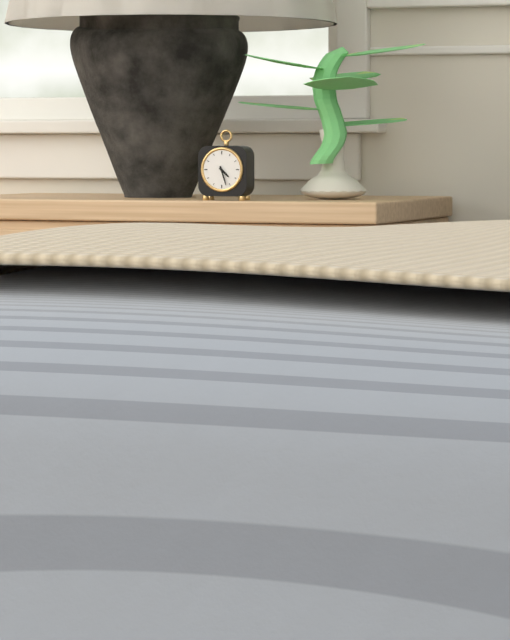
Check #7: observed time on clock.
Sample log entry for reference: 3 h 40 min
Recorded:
4 h 27 min
